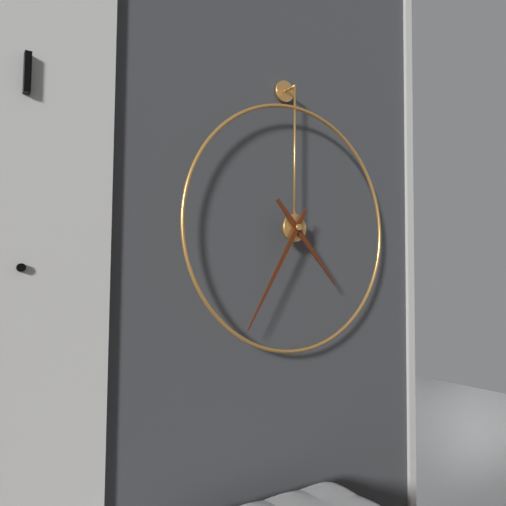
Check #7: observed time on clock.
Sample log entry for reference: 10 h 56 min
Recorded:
4 h 35 min
